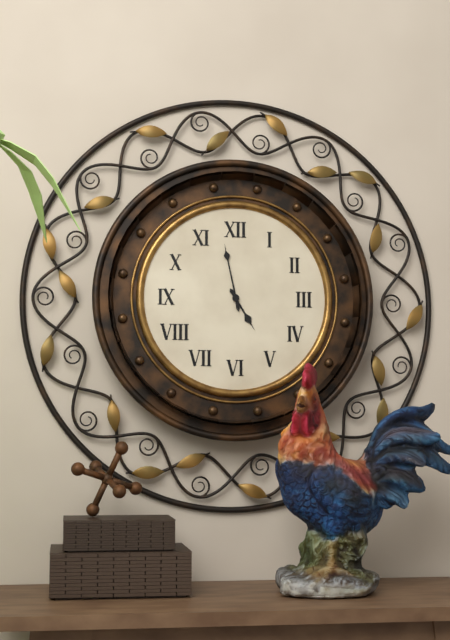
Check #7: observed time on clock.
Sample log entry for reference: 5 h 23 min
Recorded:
4 h 58 min
